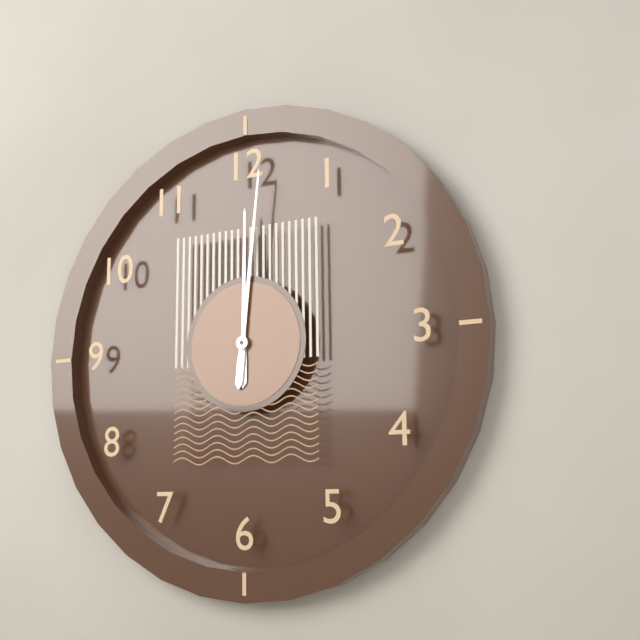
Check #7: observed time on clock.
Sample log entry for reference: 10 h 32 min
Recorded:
12 h 01 min
